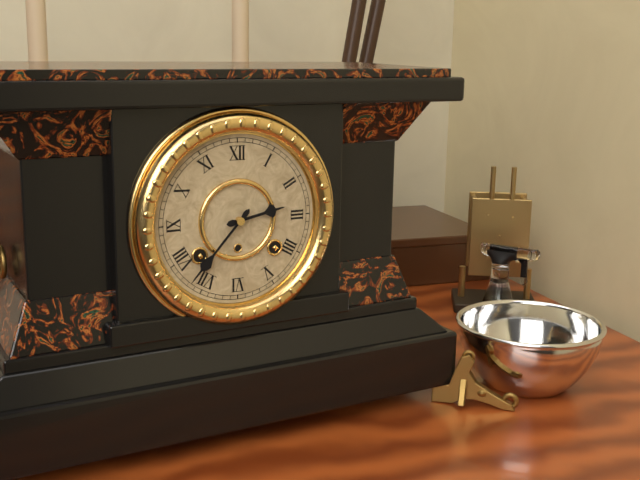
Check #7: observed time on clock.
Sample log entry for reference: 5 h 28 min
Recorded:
2 h 37 min
